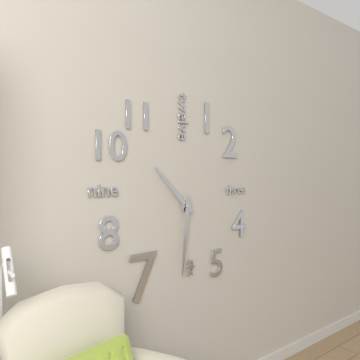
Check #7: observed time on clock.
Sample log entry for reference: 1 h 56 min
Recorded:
10 h 31 min
